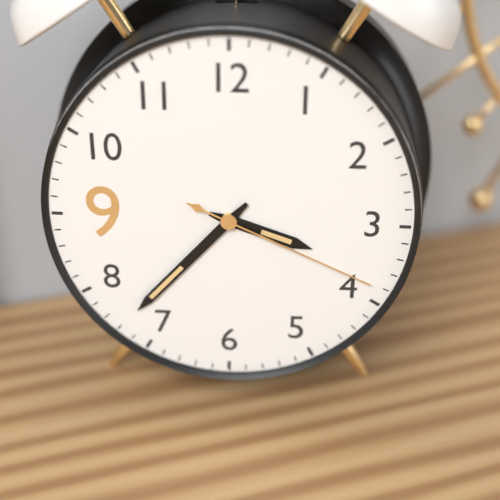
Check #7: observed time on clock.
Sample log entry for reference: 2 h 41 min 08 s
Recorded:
3 h 37 min 19 s
